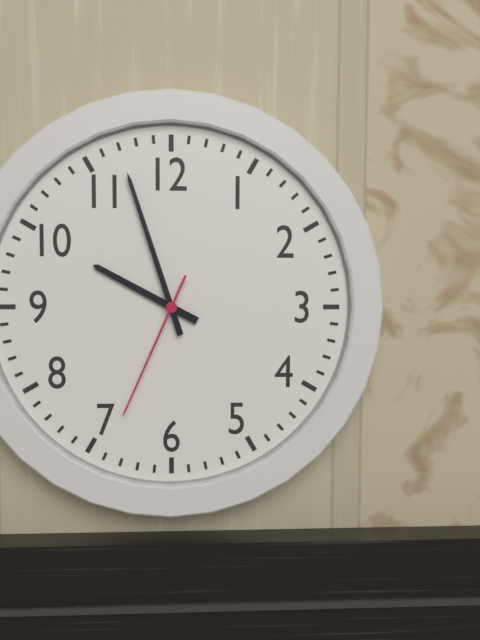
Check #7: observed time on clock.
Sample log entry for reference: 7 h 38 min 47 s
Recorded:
9 h 57 min 34 s
